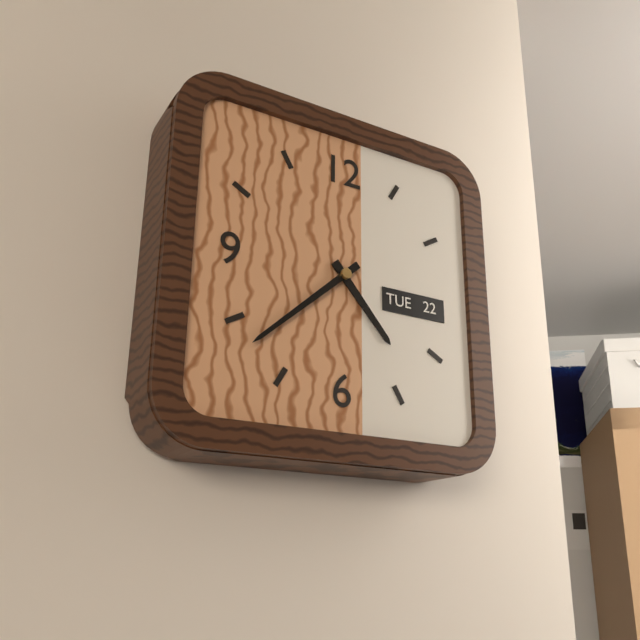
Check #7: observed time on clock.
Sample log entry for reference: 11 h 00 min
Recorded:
4 h 38 min
